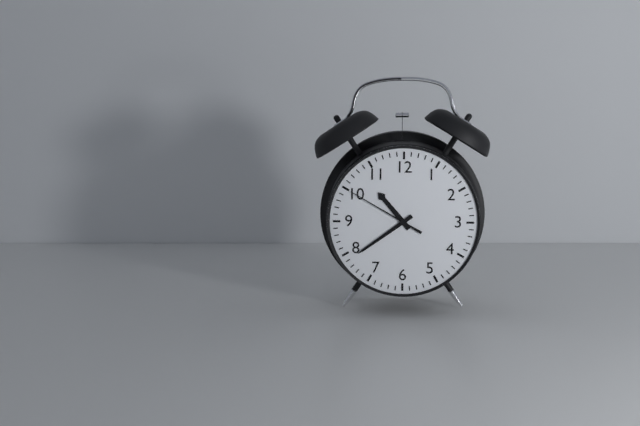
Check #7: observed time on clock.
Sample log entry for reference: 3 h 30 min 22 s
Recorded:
10 h 39 min 50 s
